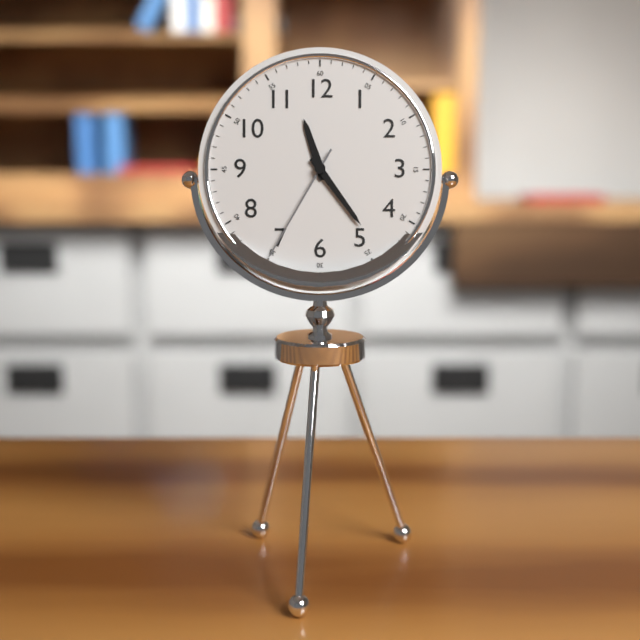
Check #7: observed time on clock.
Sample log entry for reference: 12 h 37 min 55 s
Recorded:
11 h 24 min 35 s
